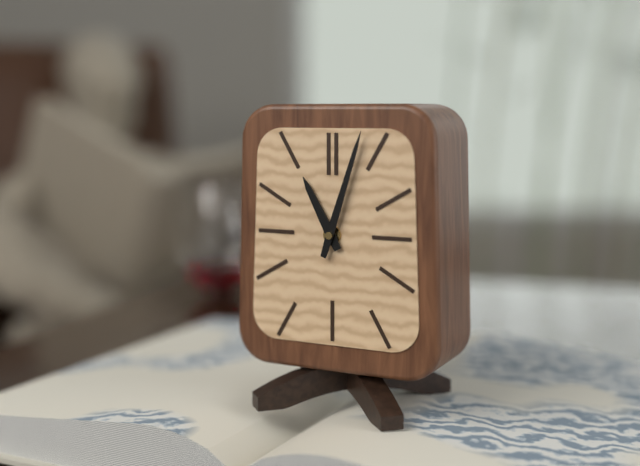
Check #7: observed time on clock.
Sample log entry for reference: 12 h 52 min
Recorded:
11 h 03 min
